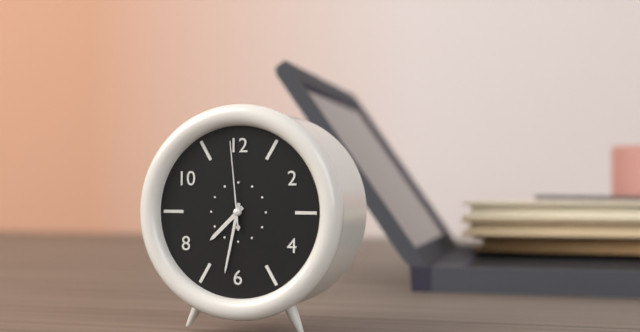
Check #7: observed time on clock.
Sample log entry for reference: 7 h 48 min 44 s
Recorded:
7 h 32 min 59 s
